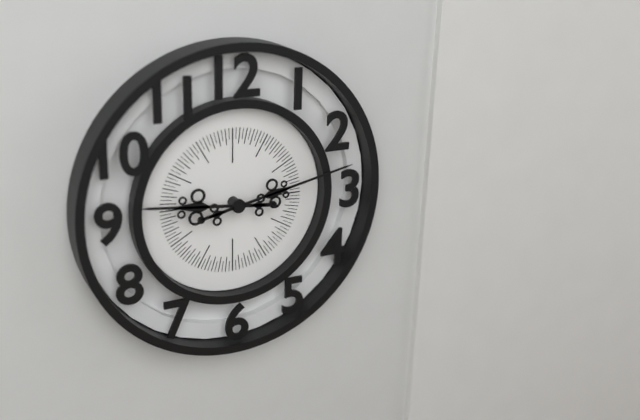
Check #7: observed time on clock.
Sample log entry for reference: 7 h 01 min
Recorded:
9 h 13 min
